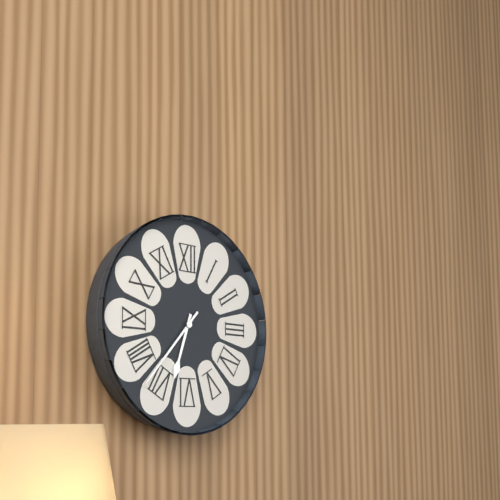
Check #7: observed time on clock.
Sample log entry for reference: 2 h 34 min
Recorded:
6 h 37 min
